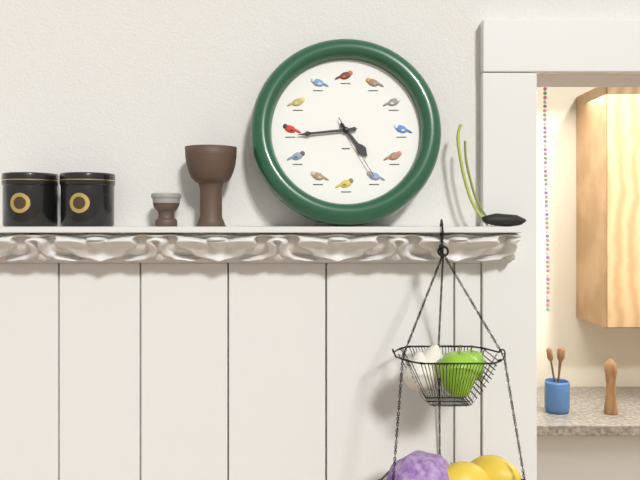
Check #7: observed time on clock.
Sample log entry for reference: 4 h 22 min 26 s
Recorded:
4 h 44 min 25 s
